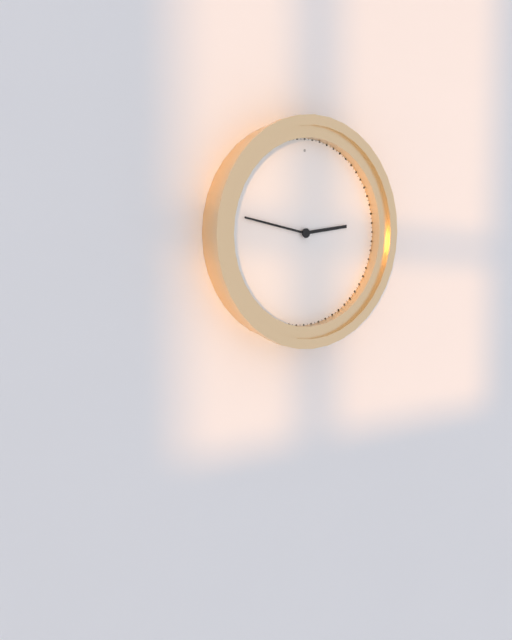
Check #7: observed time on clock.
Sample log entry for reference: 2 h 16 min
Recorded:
2 h 47 min
